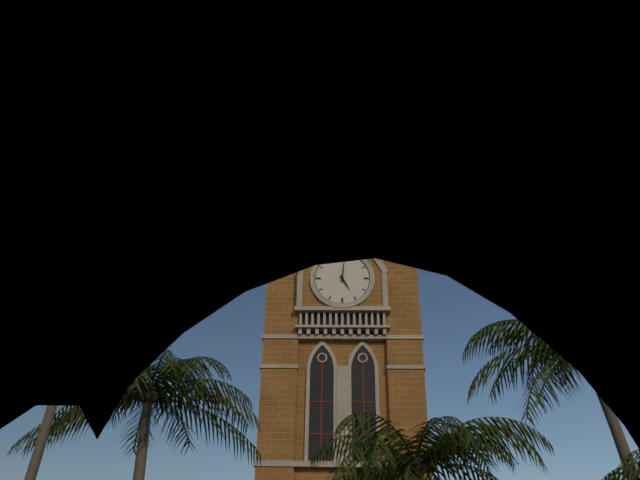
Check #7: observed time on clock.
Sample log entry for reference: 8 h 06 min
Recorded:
5 h 01 min
